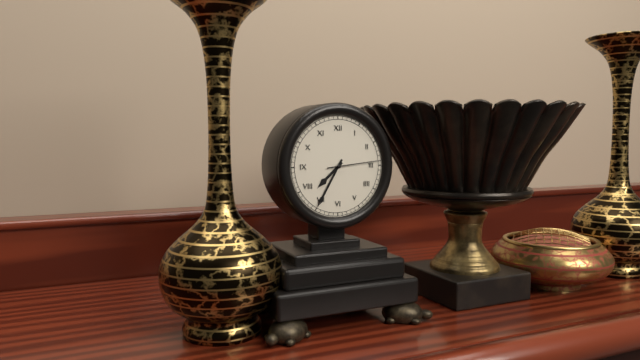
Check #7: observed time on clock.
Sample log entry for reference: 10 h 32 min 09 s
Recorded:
7 h 35 min 14 s
